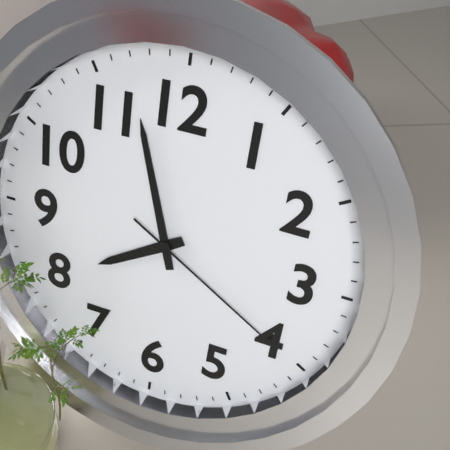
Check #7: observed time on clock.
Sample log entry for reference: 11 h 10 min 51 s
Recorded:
7 h 57 min 20 s
